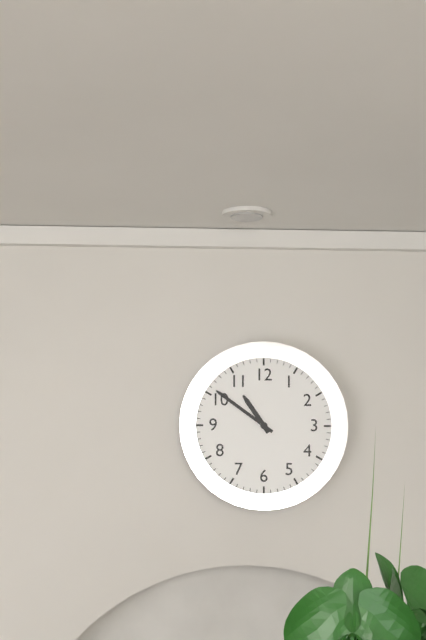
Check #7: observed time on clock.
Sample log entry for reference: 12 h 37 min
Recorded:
10 h 51 min
